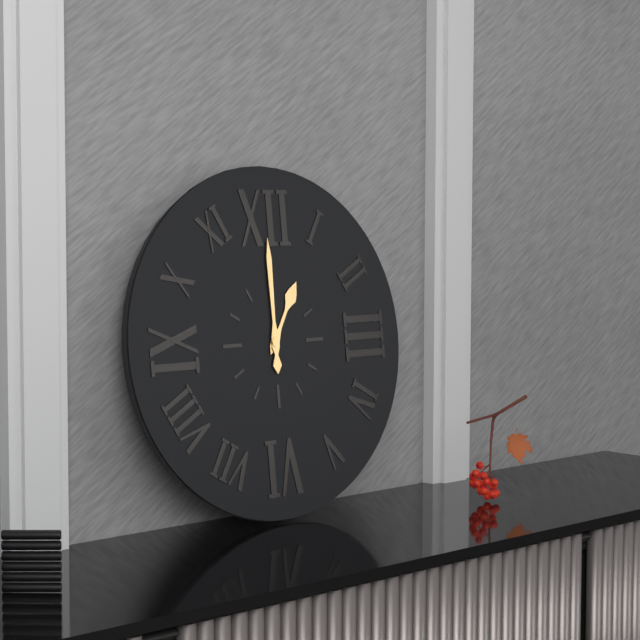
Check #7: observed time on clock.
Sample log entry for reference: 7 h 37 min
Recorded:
1 h 00 min
